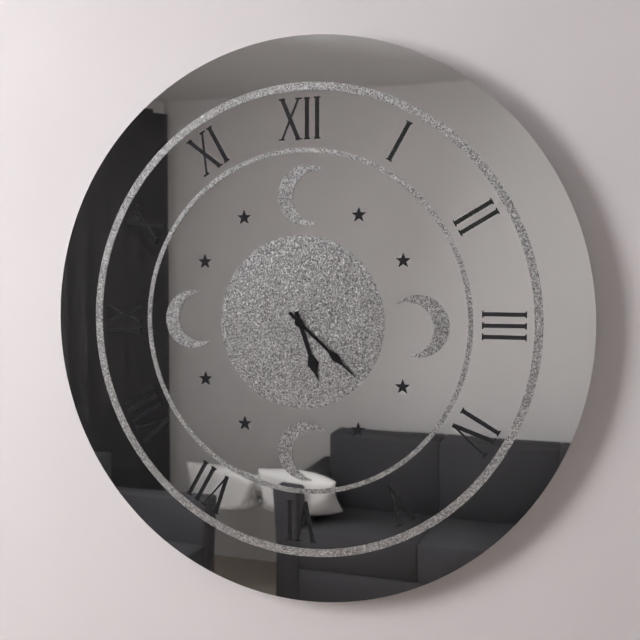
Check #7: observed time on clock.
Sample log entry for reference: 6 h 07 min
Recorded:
5 h 22 min
